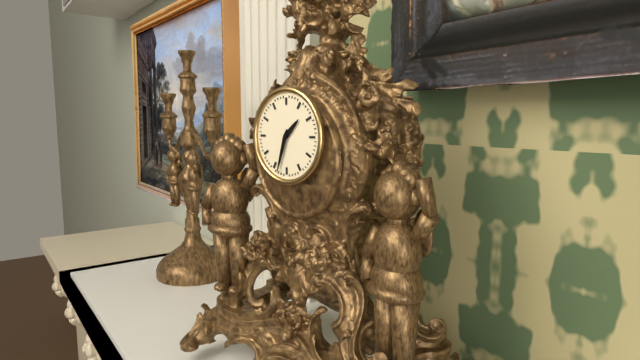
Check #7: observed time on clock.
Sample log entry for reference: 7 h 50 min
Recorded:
1 h 33 min
